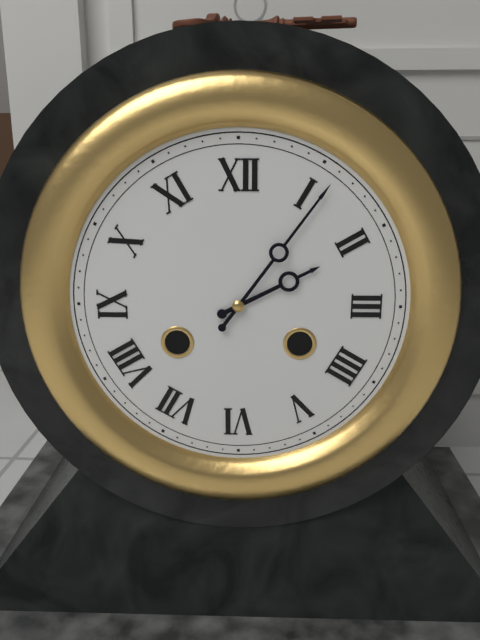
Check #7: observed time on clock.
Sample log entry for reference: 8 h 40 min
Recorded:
2 h 06 min
